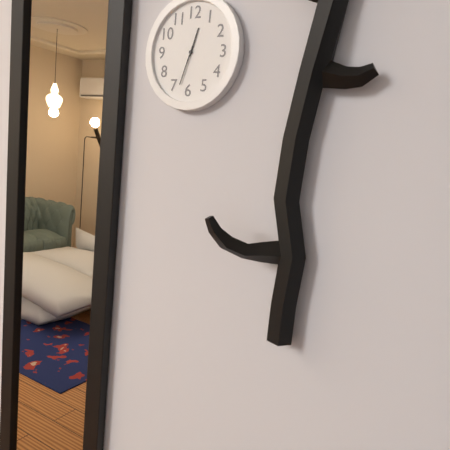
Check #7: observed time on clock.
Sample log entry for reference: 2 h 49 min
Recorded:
12 h 33 min
